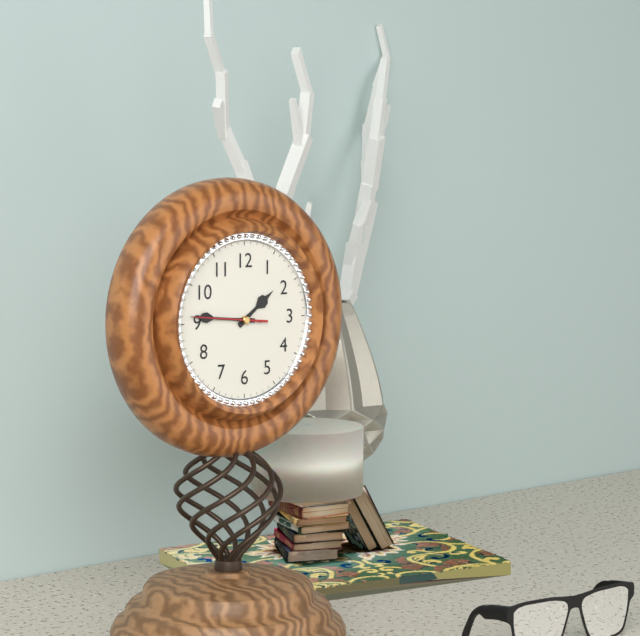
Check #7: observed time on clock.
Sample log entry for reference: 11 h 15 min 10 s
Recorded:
1 h 46 min 46 s
